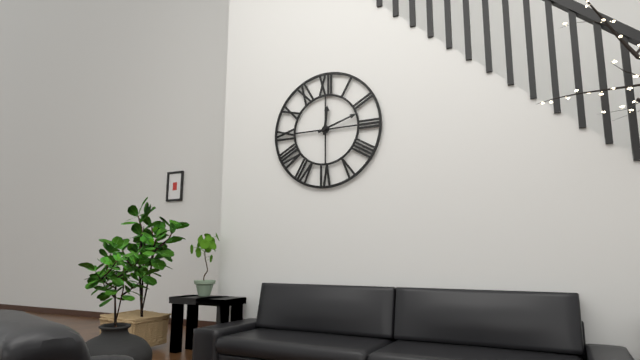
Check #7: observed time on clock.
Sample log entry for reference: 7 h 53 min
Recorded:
12 h 12 min
